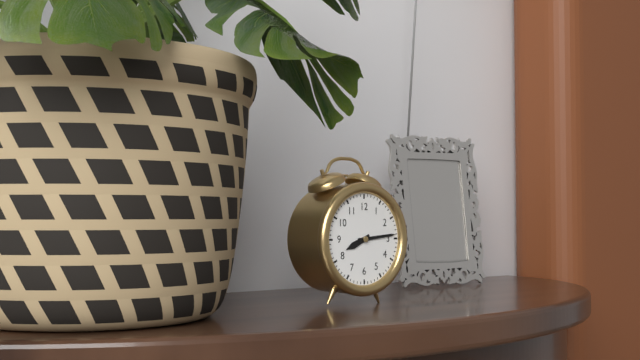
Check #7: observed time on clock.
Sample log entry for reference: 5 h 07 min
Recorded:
8 h 14 min
